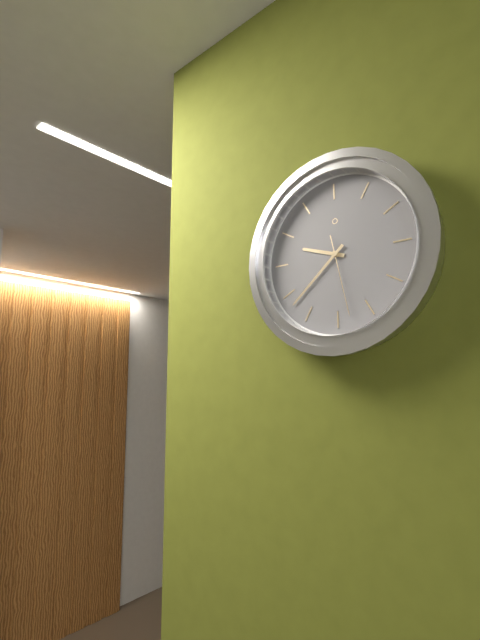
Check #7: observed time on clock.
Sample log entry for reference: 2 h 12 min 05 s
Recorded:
9 h 38 min 28 s
